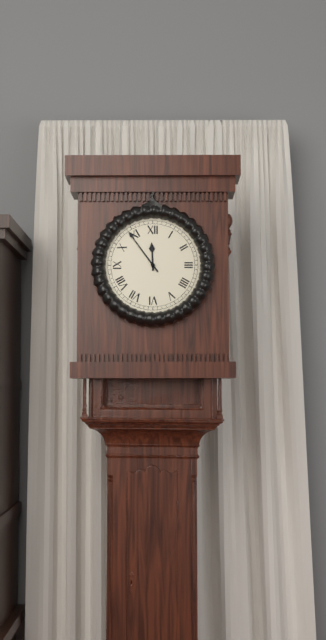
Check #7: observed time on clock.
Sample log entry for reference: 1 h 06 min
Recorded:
11 h 54 min
